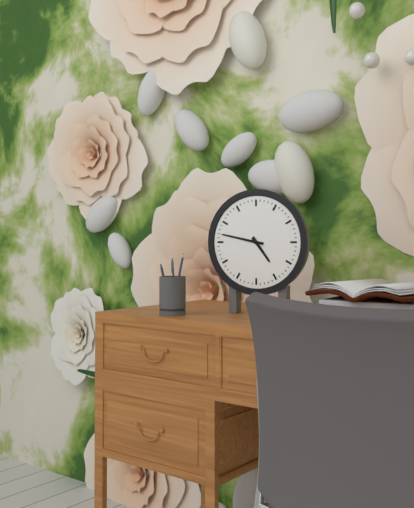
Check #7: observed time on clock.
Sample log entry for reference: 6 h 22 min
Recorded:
4 h 47 min
